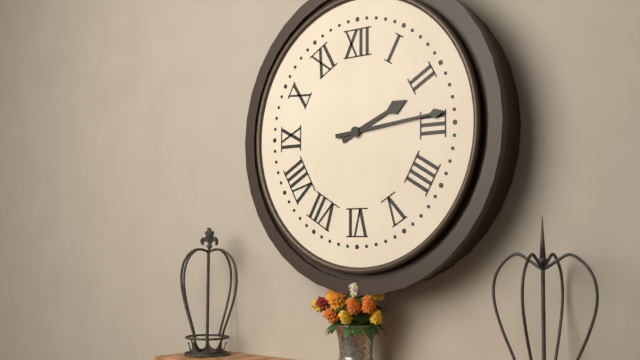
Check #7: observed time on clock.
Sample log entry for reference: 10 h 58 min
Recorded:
2 h 14 min
